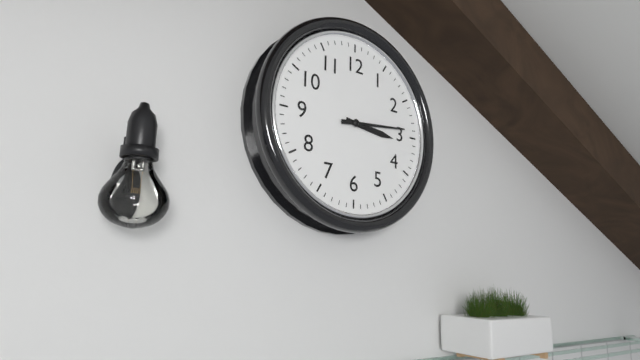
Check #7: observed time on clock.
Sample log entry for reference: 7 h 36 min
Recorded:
3 h 14 min
